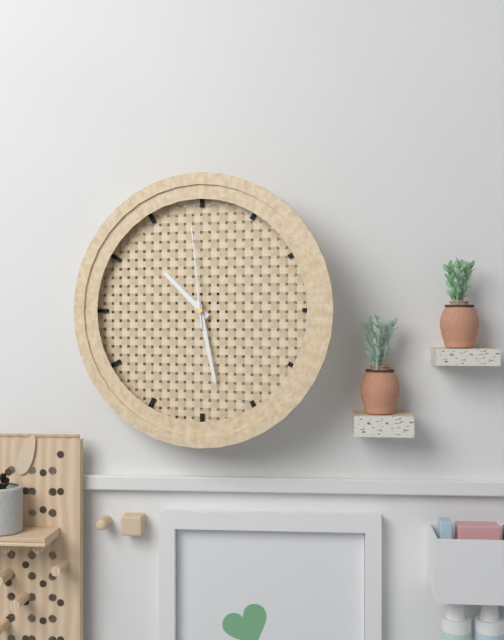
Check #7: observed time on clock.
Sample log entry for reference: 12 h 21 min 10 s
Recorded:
10 h 28 min 59 s
